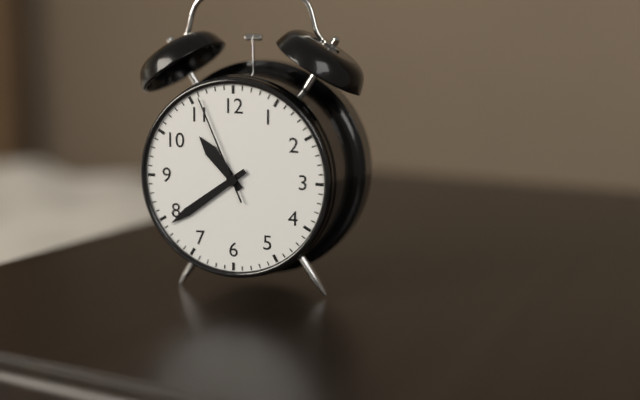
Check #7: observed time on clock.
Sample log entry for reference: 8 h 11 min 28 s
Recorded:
10 h 39 min 56 s
